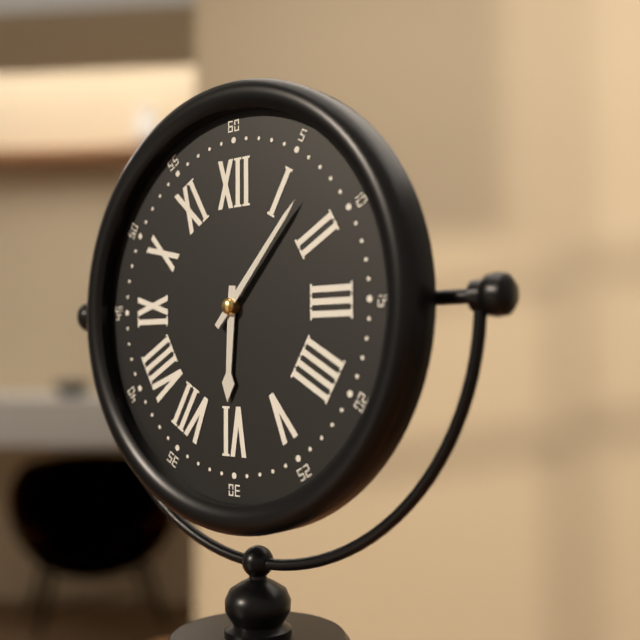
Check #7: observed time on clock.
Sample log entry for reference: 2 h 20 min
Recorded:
6 h 07 min
